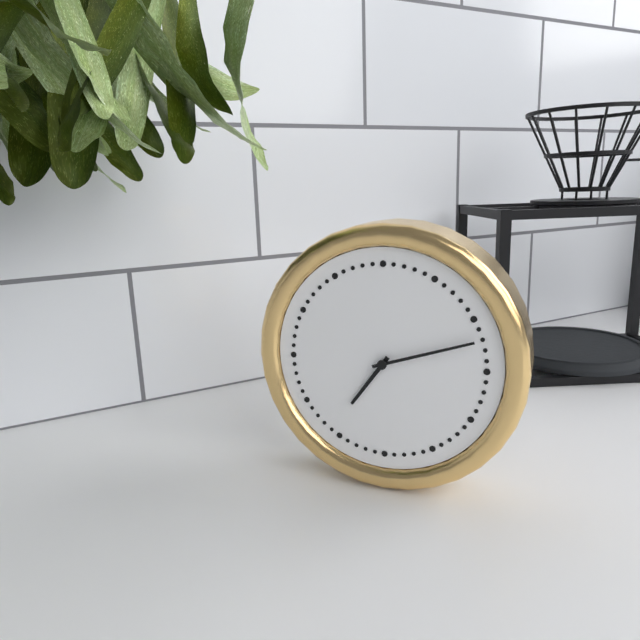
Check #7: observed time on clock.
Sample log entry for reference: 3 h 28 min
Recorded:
7 h 12 min
